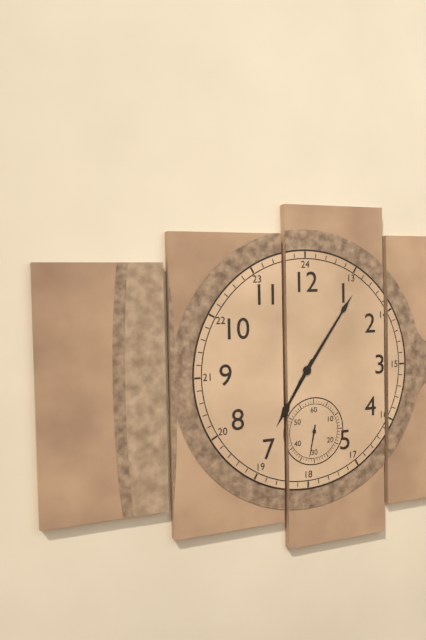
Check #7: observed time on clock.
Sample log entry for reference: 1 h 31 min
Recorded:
7 h 06 min
